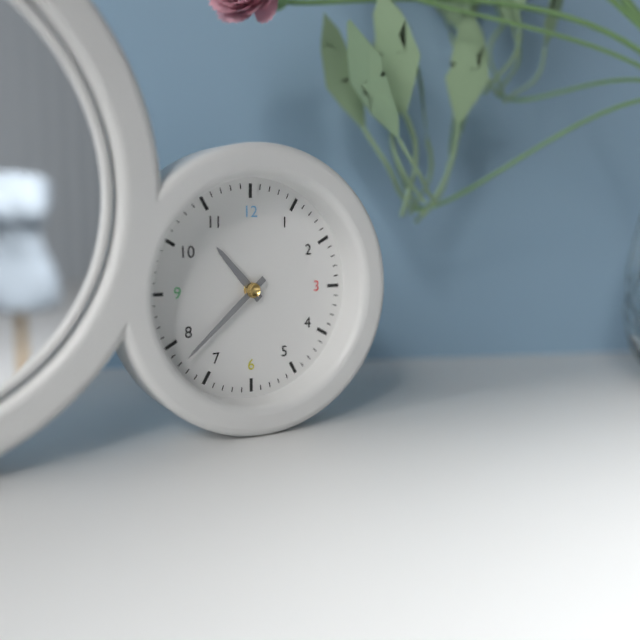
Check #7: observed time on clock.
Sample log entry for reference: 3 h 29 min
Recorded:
10 h 38 min
